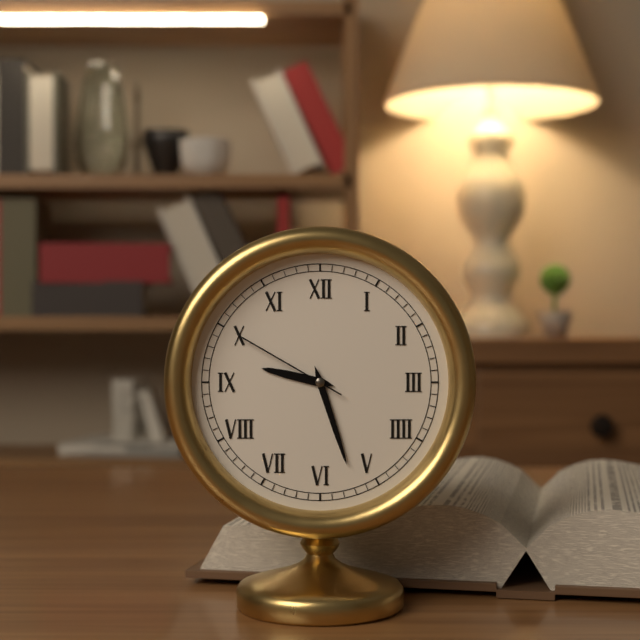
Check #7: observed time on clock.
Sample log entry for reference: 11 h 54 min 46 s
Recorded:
9 h 27 min 50 s
